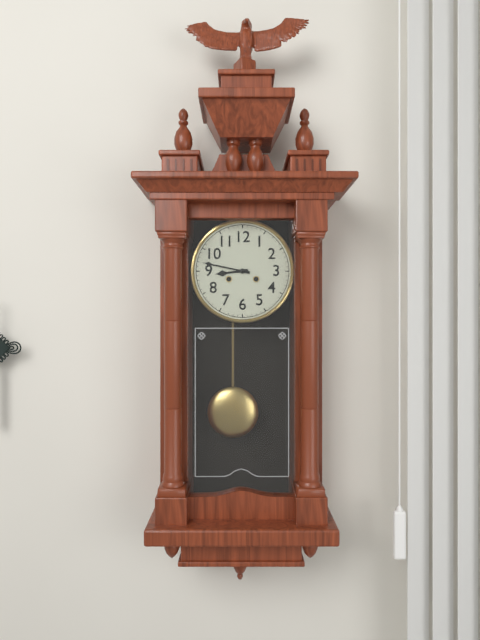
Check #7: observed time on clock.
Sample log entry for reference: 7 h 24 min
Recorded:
8 h 47 min
